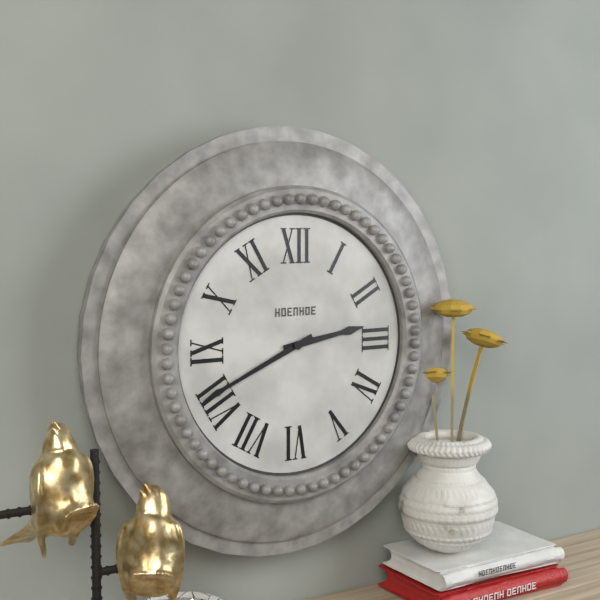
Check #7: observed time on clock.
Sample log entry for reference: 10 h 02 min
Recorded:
2 h 41 min
